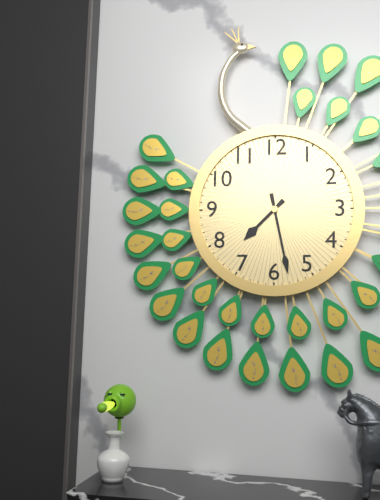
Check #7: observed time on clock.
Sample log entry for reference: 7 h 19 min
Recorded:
7 h 28 min
